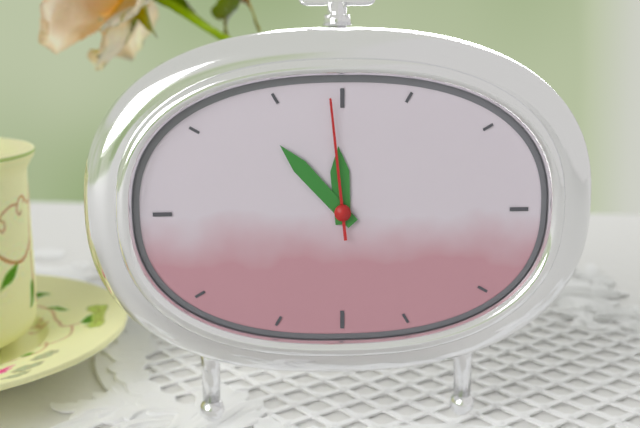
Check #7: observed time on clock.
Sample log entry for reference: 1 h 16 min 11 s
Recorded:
11 h 53 min 59 s
